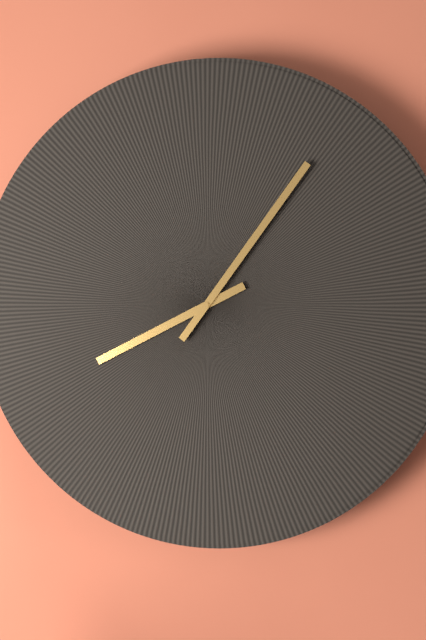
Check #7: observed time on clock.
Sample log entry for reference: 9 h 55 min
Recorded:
8 h 06 min
